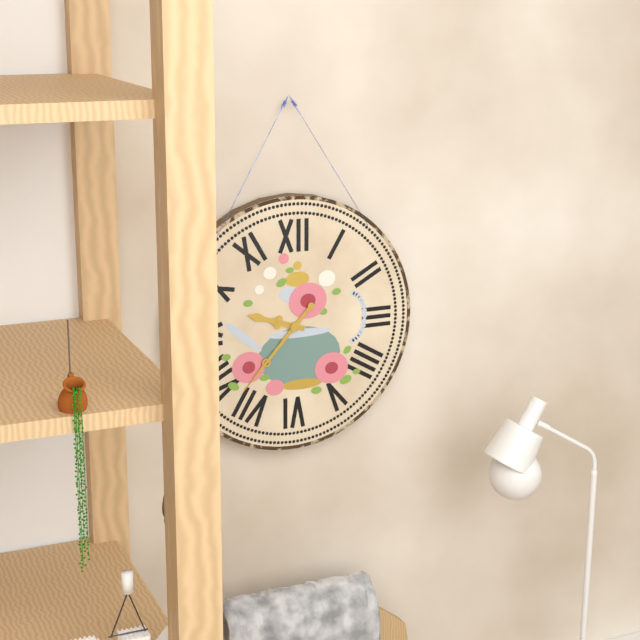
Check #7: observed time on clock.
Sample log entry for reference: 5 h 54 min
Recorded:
9 h 37 min
